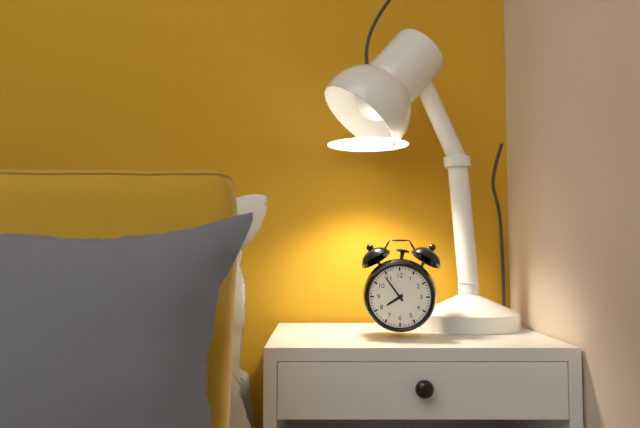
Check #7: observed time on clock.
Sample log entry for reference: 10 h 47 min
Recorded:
7 h 54 min
